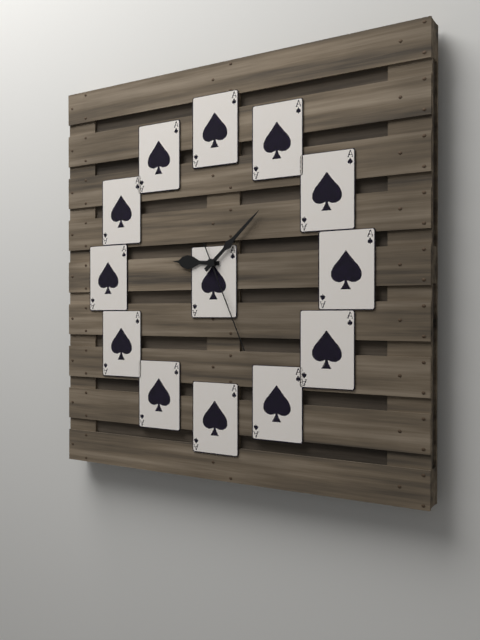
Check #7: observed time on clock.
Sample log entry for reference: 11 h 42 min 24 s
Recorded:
9 h 08 min 26 s
